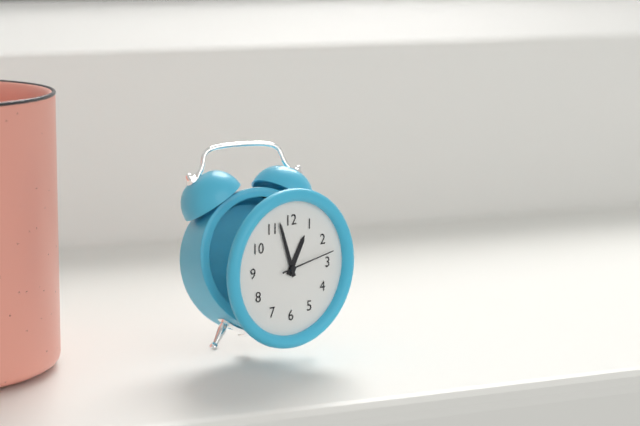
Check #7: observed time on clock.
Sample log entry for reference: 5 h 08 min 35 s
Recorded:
12 h 57 min 13 s
